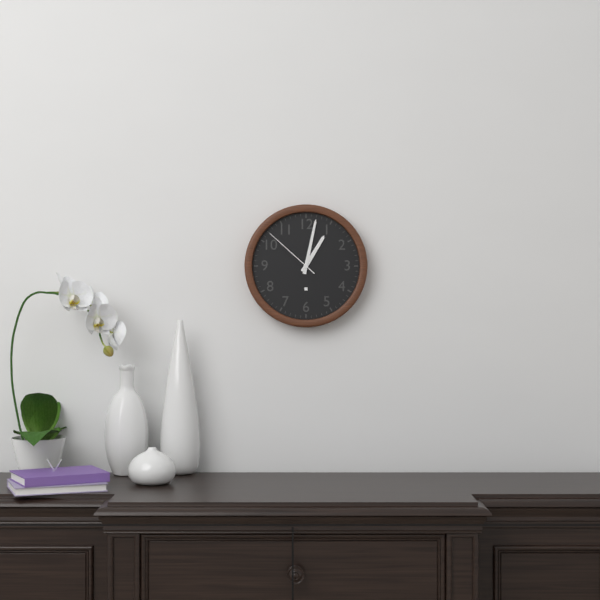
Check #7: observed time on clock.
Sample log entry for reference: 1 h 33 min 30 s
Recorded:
1 h 02 min 52 s
